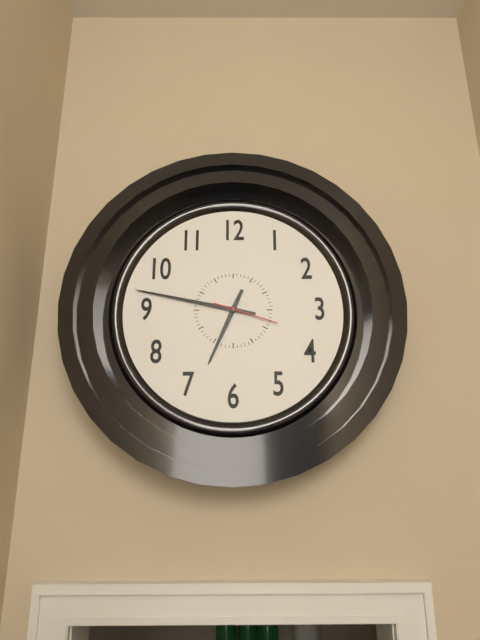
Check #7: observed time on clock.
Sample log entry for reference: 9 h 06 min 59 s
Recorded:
6 h 47 min 18 s
